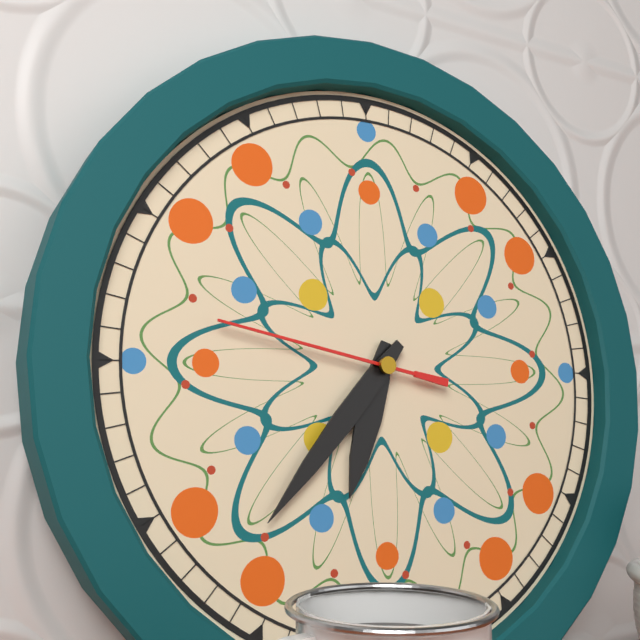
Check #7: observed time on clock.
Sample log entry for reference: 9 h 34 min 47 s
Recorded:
6 h 37 min 47 s
